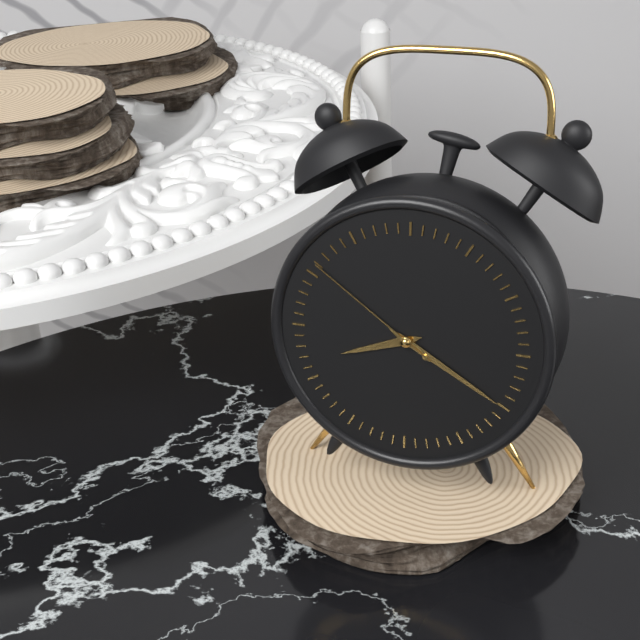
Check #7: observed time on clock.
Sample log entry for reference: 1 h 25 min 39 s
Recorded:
8 h 20 min 51 s
